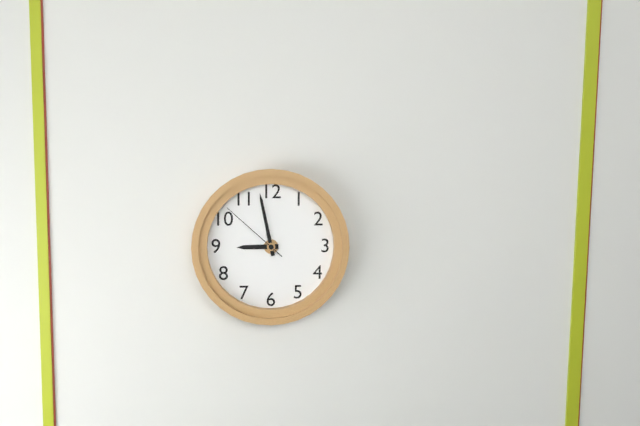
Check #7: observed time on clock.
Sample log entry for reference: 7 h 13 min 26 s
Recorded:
8 h 58 min 52 s
